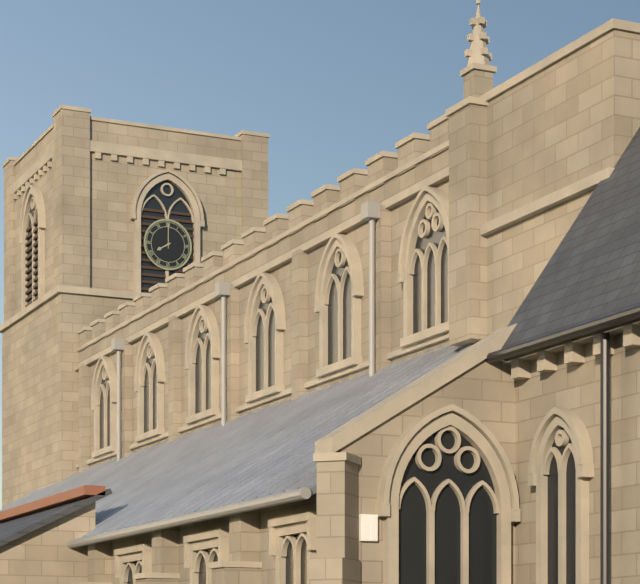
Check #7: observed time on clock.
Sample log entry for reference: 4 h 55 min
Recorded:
8 h 00 min
